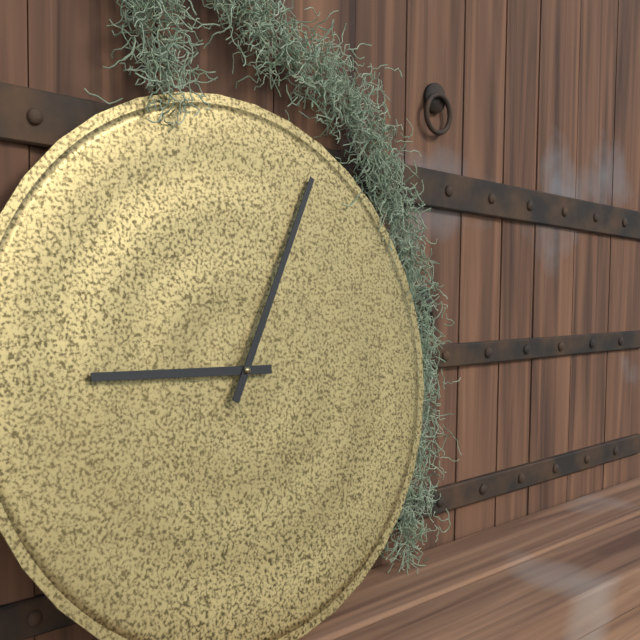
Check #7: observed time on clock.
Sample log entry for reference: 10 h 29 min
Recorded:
9 h 05 min
